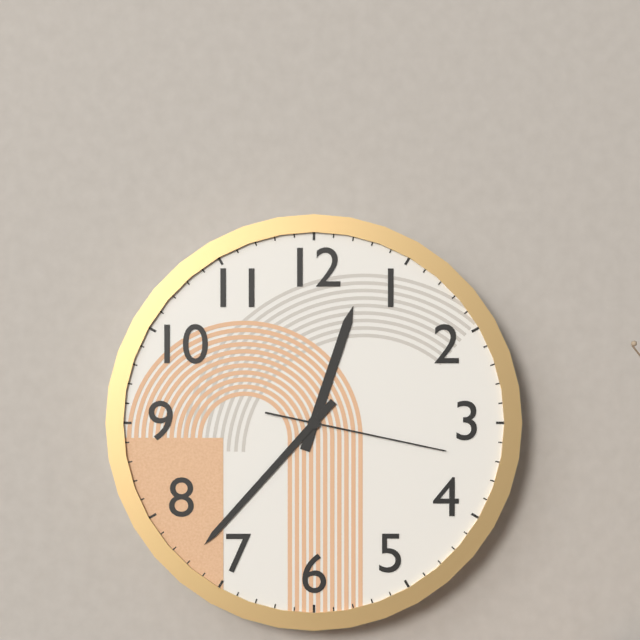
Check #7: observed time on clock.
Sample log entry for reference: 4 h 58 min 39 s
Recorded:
12 h 37 min 17 s
